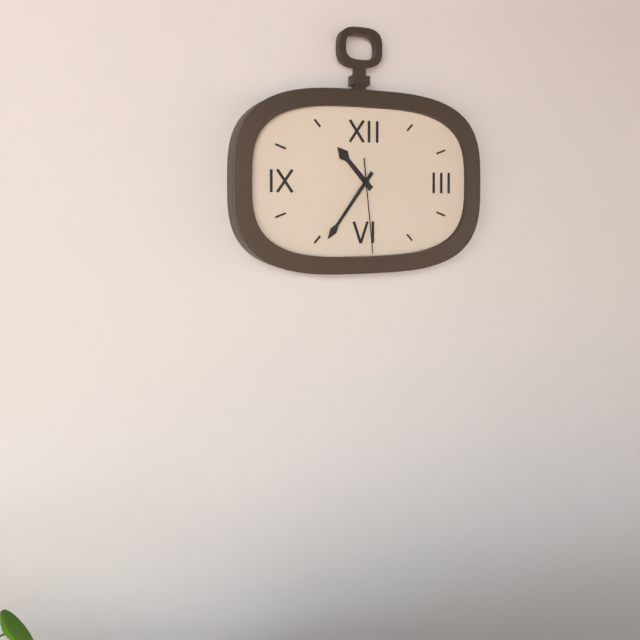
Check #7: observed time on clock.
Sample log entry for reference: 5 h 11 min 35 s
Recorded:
10 h 36 min 29 s
